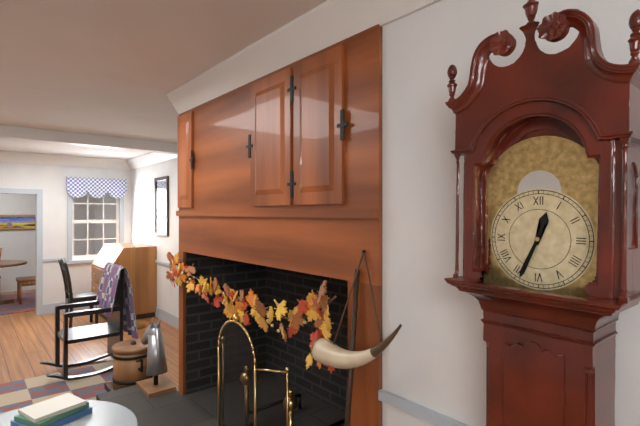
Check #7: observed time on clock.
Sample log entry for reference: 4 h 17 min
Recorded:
12 h 34 min
